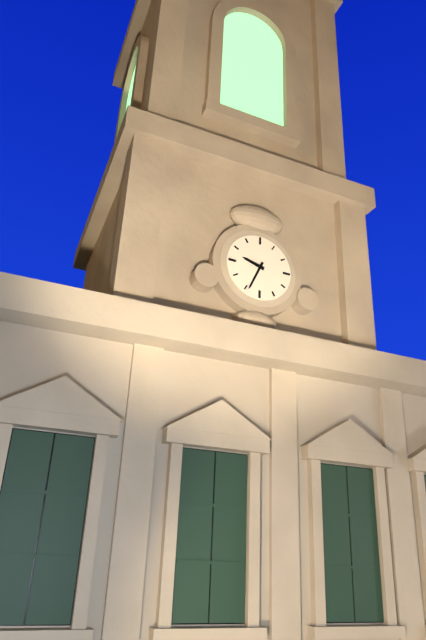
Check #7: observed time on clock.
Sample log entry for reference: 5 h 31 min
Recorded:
9 h 34 min
